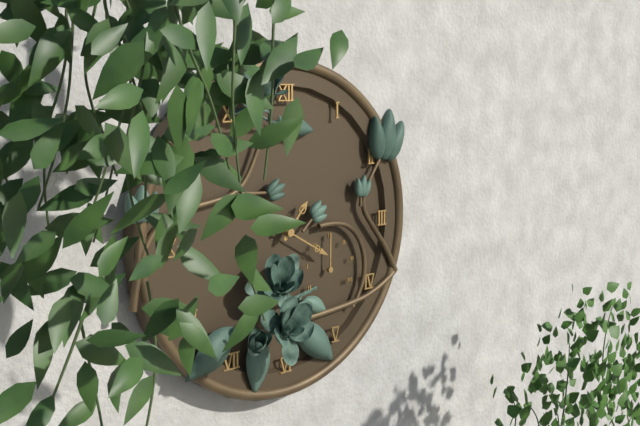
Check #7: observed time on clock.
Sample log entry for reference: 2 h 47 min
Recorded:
1 h 20 min
